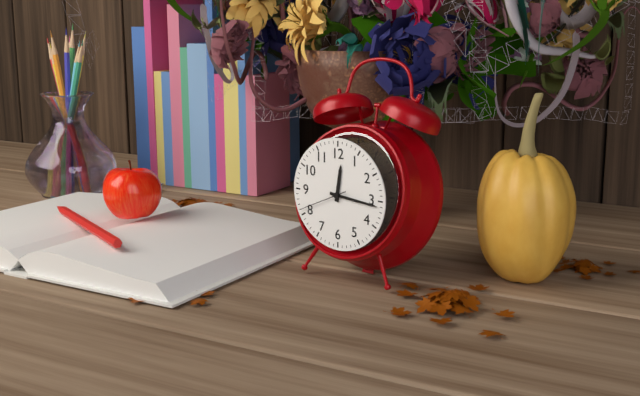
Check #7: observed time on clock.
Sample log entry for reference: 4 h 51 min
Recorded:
12 h 16 min
